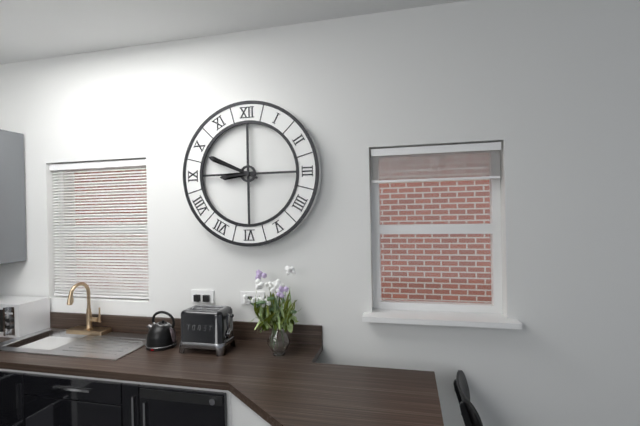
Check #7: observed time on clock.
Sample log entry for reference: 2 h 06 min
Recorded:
8 h 49 min
